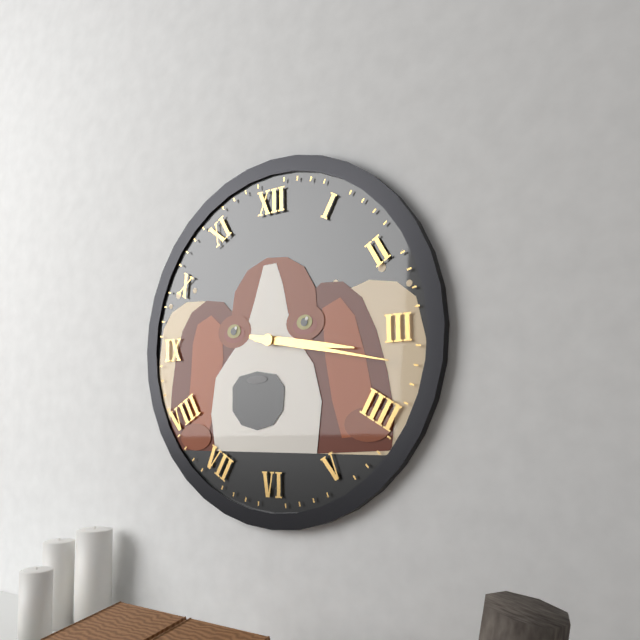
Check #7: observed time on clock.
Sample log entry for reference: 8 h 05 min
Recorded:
3 h 17 min
